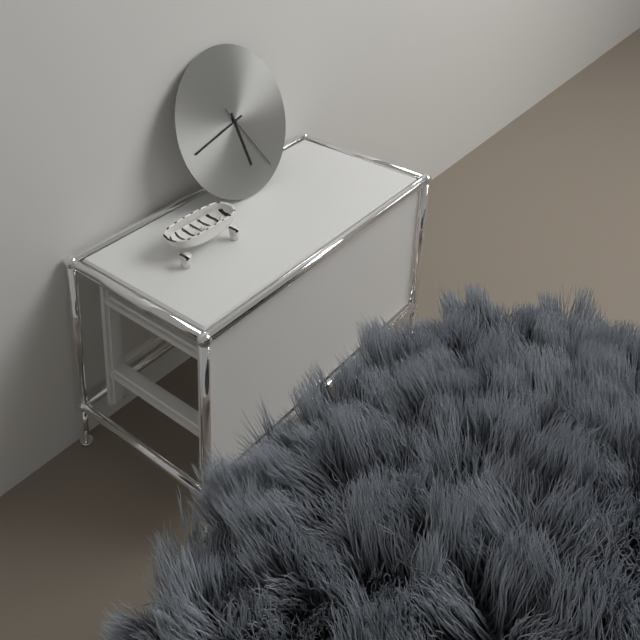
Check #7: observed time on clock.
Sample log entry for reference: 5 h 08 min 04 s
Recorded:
5 h 43 min 25 s
